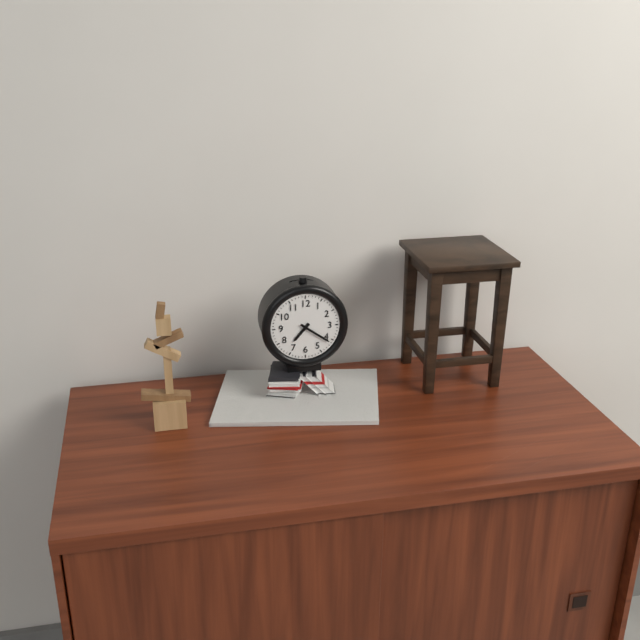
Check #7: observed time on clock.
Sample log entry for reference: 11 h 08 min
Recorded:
7 h 21 min
